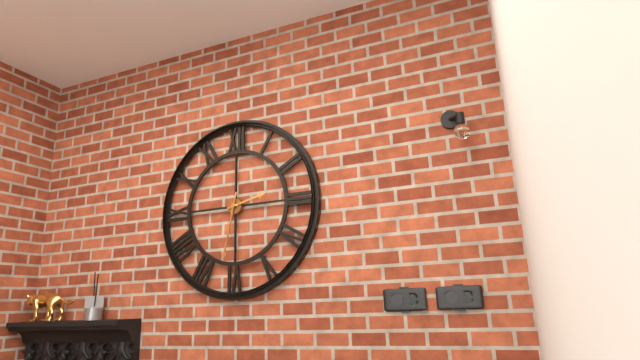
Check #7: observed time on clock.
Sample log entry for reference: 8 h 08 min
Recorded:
2 h 32 min
